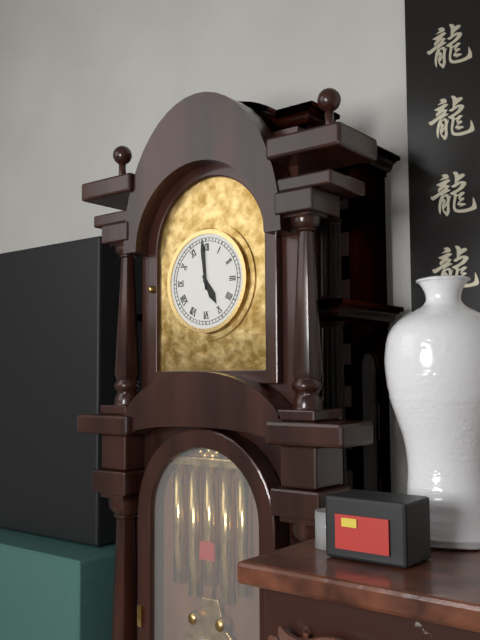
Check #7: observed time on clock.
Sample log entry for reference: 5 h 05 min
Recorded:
4 h 59 min
